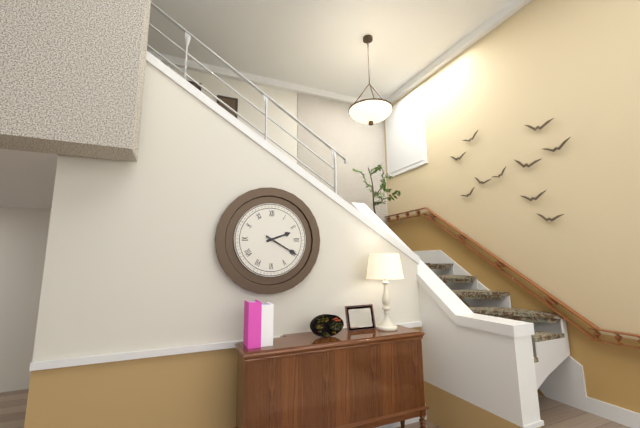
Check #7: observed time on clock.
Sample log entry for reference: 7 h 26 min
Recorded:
2 h 20 min
